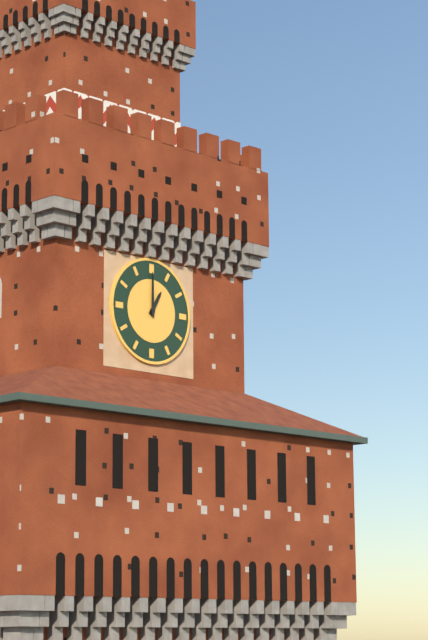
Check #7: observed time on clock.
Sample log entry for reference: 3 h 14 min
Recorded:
1 h 00 min
